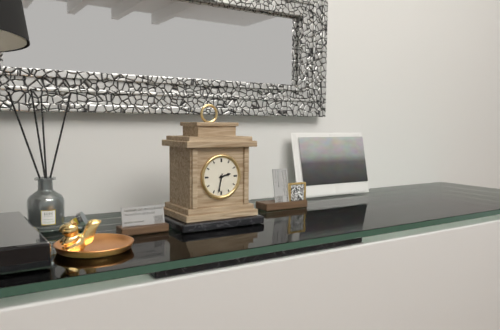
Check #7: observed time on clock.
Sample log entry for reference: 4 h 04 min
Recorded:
2 h 32 min
